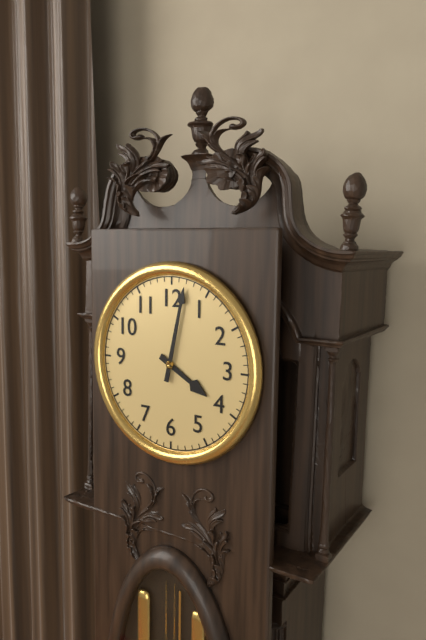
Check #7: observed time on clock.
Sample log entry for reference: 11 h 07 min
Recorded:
4 h 02 min
